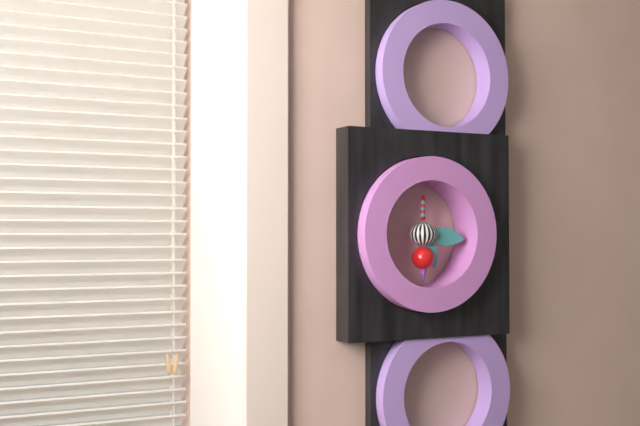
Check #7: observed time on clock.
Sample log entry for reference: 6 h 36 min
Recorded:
5 h 16 min
